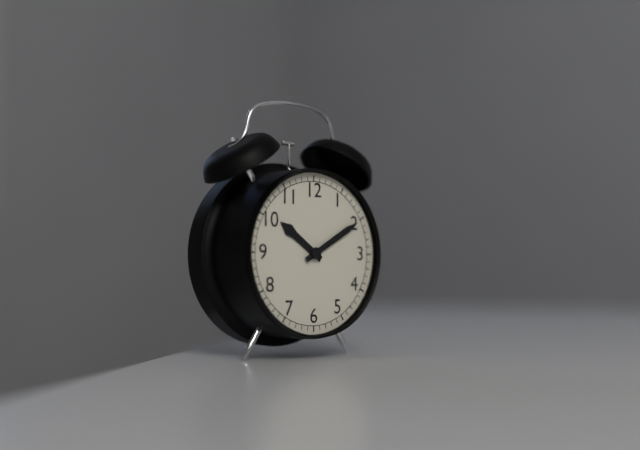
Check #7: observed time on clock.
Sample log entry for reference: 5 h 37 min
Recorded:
10 h 10 min
